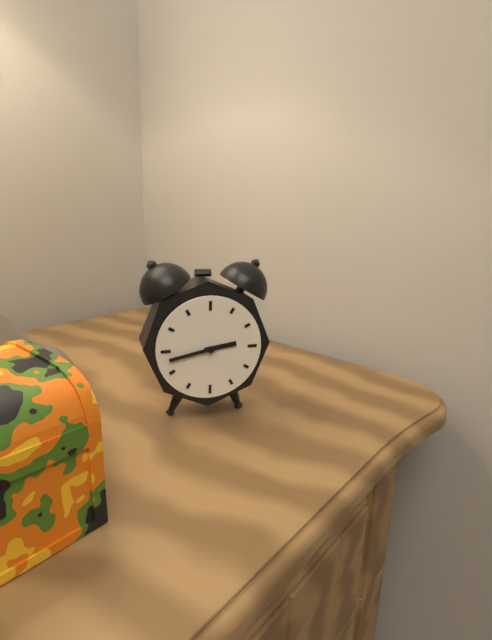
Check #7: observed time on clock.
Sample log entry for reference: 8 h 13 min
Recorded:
2 h 43 min
